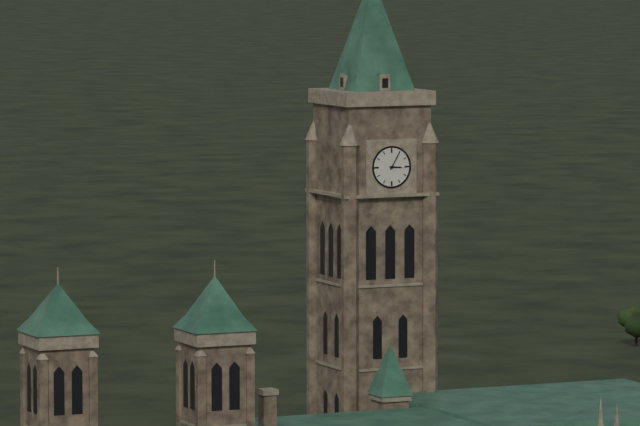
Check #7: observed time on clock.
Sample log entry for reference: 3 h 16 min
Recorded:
3 h 05 min
